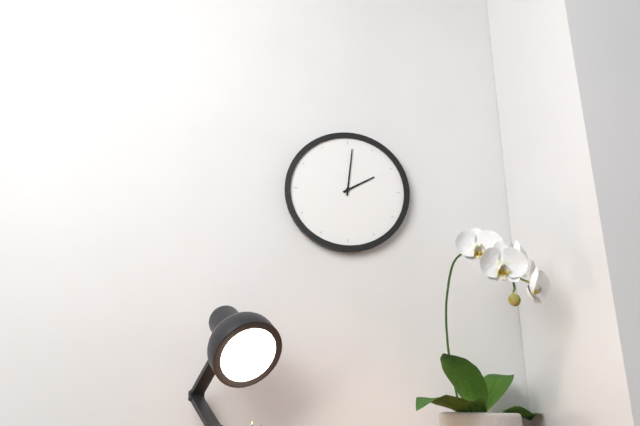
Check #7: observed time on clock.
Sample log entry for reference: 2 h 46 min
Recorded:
2 h 01 min
